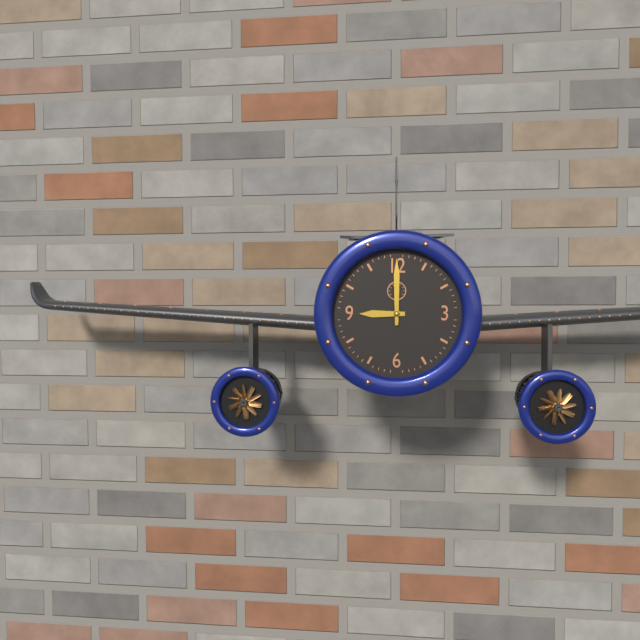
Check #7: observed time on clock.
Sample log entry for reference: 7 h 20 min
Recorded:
9 h 00 min
